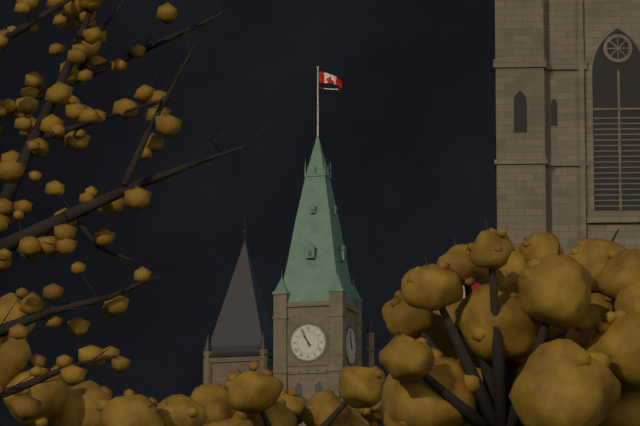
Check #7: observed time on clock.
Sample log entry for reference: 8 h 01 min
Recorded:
10 h 56 min
